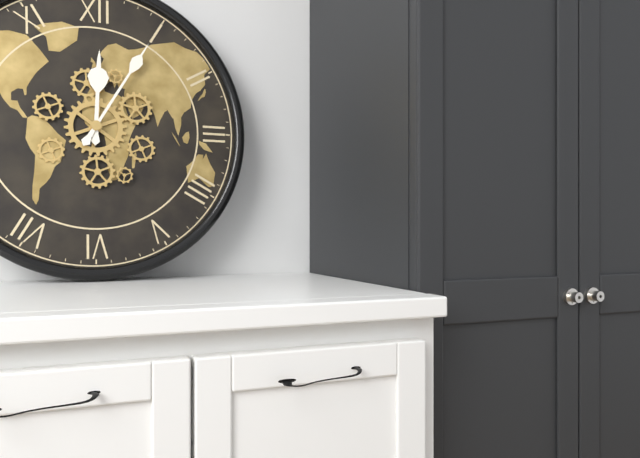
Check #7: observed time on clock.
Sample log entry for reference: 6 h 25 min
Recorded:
12 h 05 min
